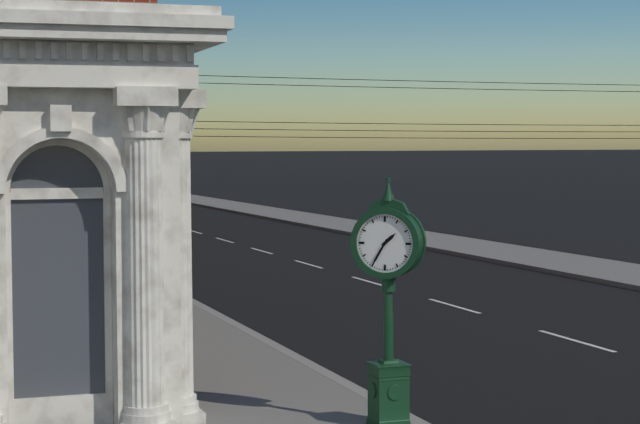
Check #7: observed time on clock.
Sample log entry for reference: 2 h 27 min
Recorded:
1 h 35 min
